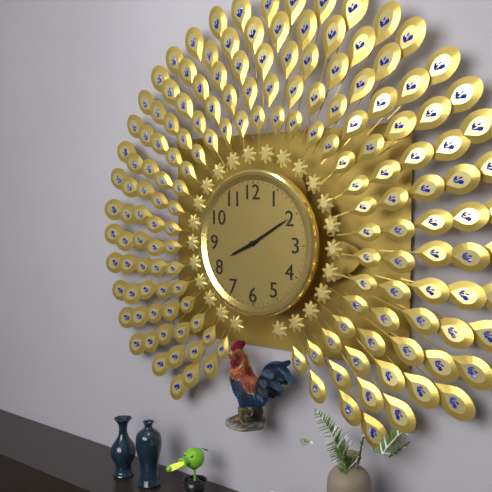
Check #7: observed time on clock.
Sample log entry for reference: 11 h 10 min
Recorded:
8 h 10 min
